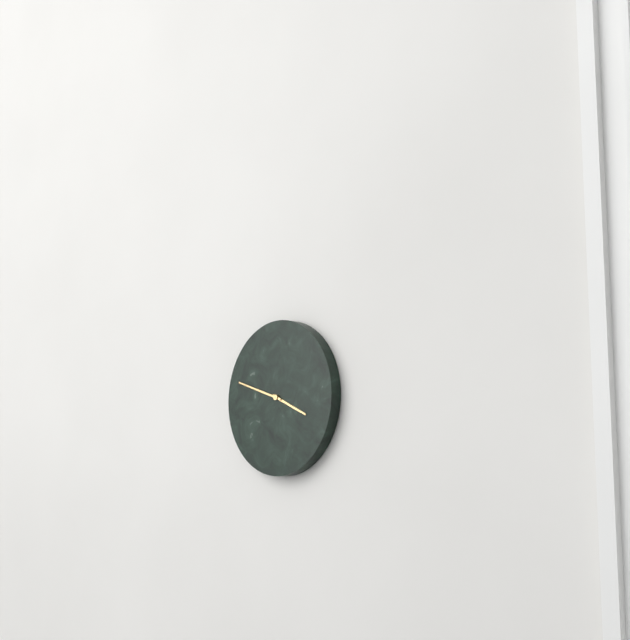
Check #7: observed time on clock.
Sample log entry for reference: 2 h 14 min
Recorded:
3 h 48 min
